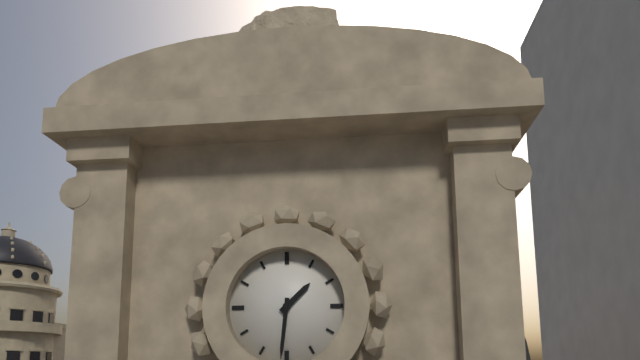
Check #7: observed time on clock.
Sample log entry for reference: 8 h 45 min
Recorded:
1 h 31 min
